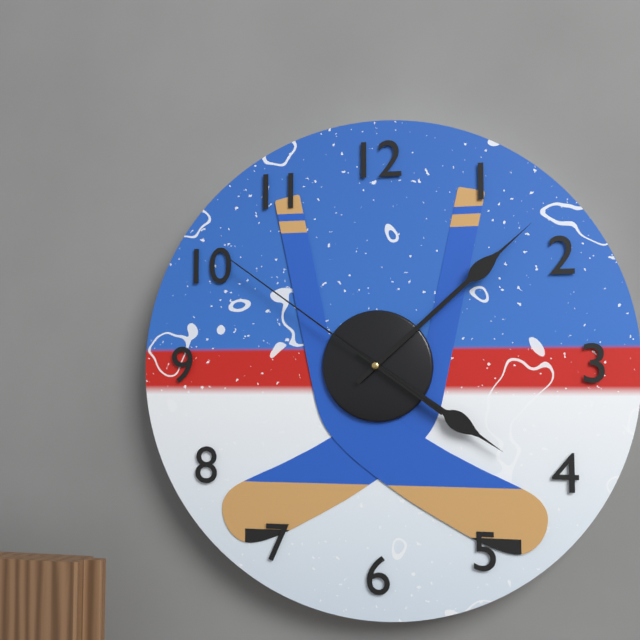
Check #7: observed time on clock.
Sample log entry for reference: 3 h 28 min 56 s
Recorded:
4 h 08 min 51 s
